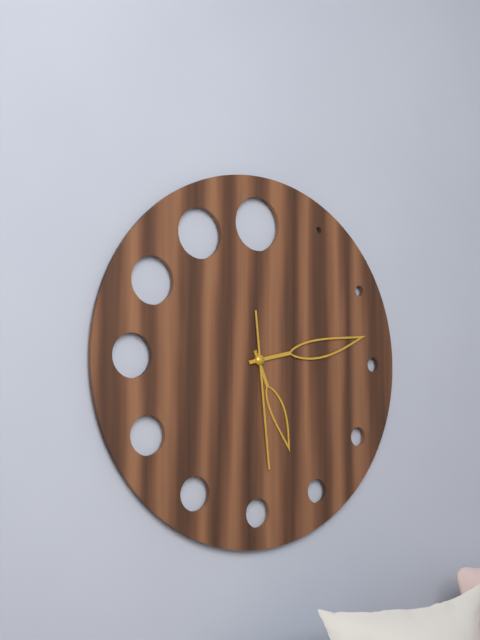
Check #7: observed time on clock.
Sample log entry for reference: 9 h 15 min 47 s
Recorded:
5 h 13 min 29 s
